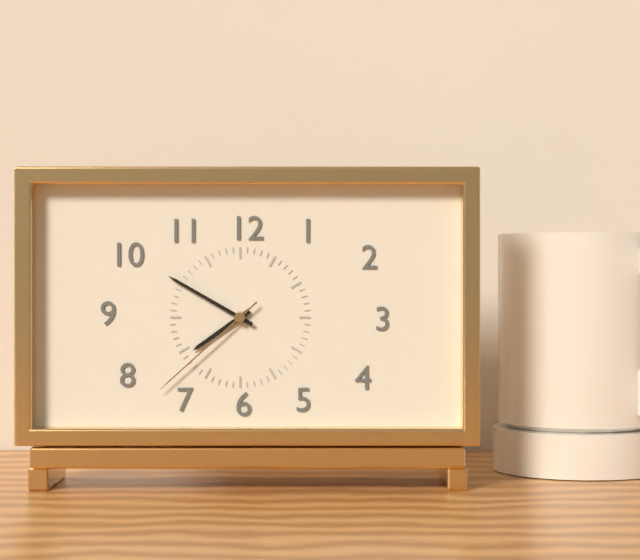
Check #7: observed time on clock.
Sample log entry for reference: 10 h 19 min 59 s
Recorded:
7 h 50 min 38 s
